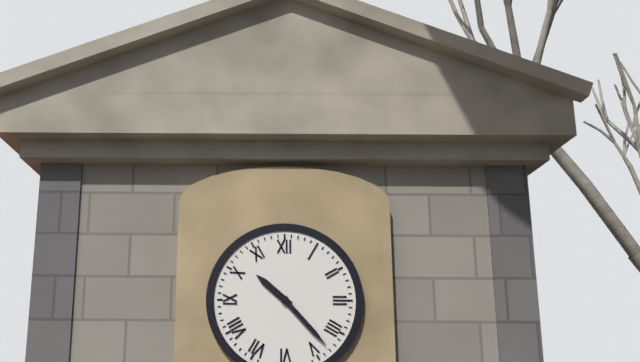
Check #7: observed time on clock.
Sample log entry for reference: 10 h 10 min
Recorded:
10 h 23 min
